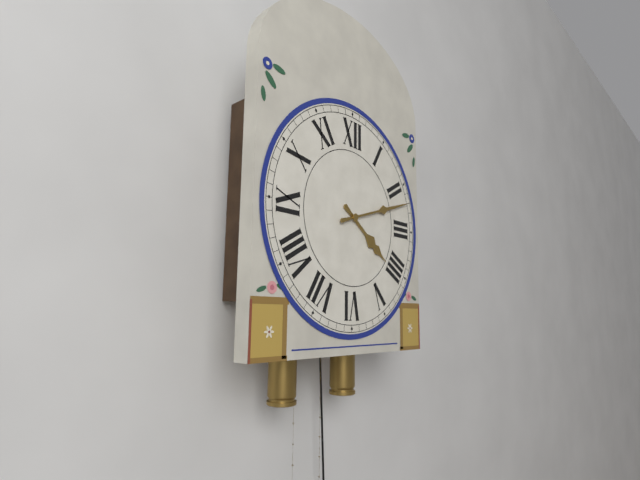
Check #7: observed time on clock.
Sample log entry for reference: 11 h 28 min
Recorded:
4 h 12 min
